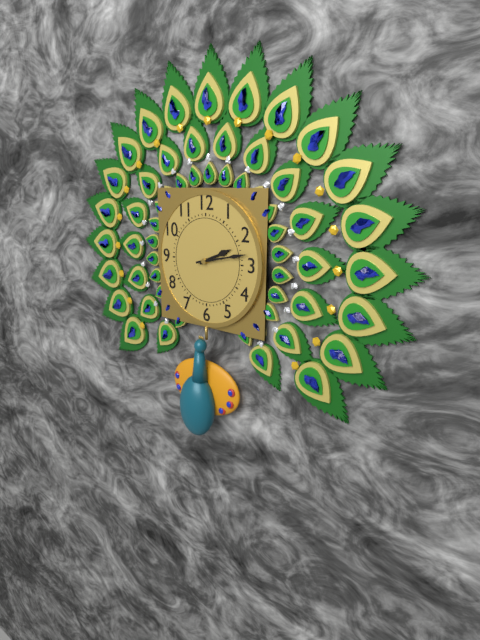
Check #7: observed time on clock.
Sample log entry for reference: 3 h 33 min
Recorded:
2 h 13 min
